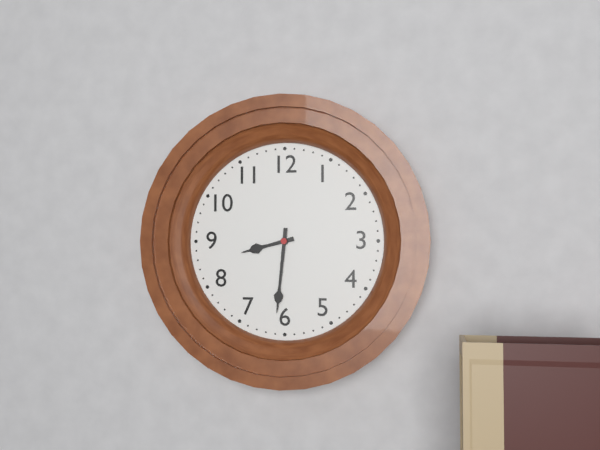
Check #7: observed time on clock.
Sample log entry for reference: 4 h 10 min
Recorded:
8 h 31 min
